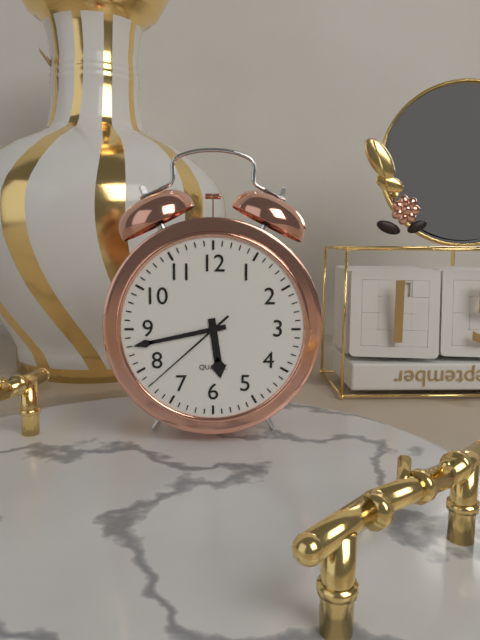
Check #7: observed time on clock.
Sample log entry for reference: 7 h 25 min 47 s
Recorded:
5 h 43 min 38 s
